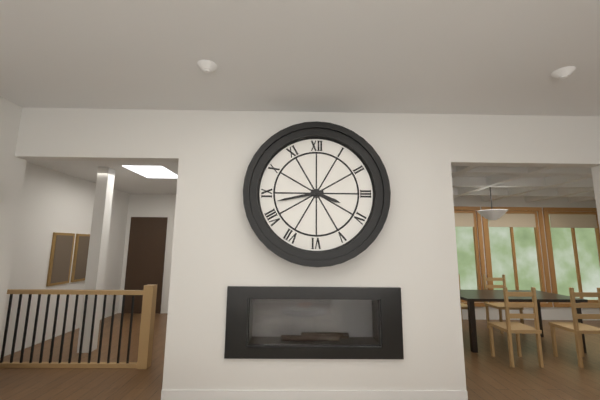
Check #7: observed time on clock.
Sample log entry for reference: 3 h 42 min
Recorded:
3 h 43 min
